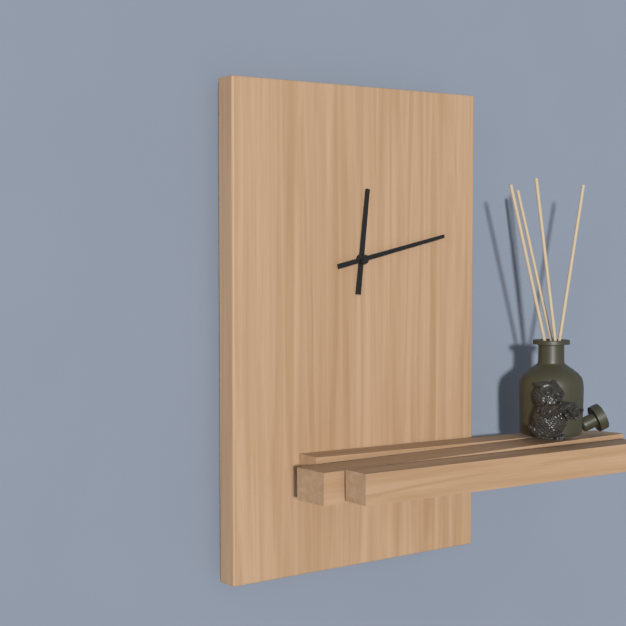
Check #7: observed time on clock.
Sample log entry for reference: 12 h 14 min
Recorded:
12 h 13 min
